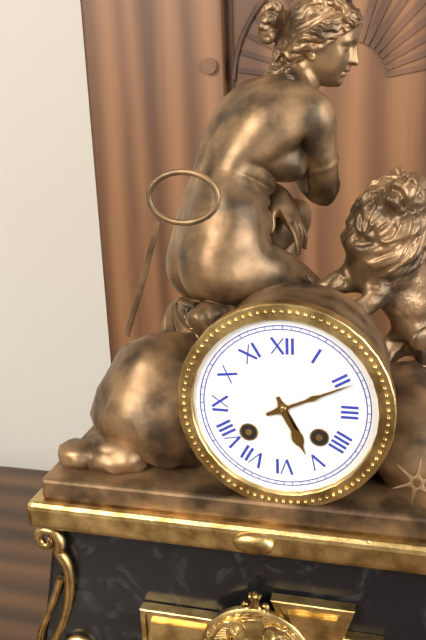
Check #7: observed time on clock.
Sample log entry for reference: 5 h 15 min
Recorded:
5 h 11 min
